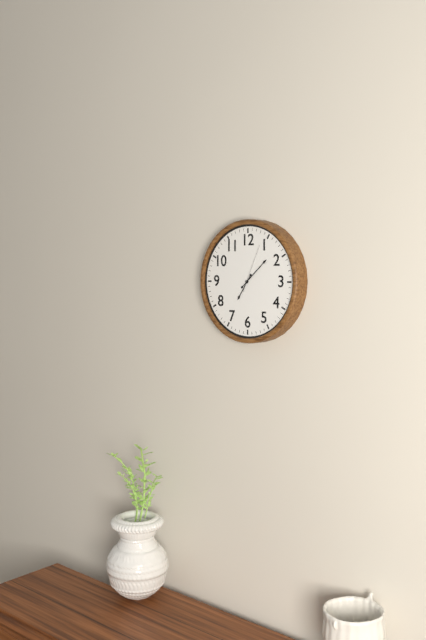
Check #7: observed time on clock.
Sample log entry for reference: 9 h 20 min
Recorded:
7 h 08 min
